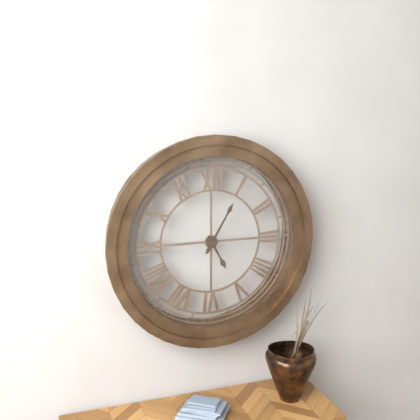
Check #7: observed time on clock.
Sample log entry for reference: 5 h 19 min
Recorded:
5 h 05 min
